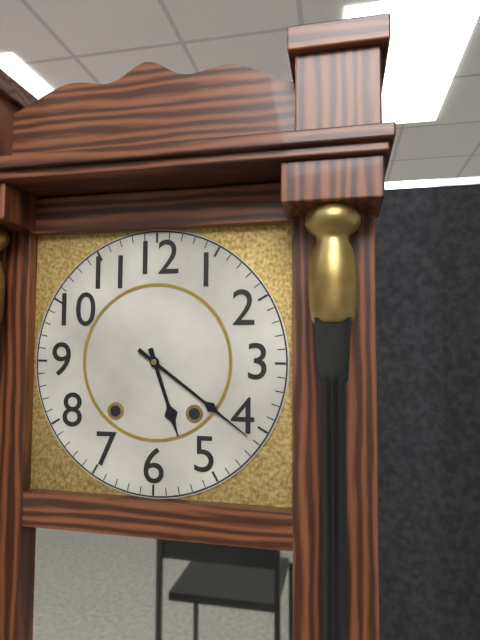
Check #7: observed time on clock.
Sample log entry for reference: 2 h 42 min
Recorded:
5 h 21 min
